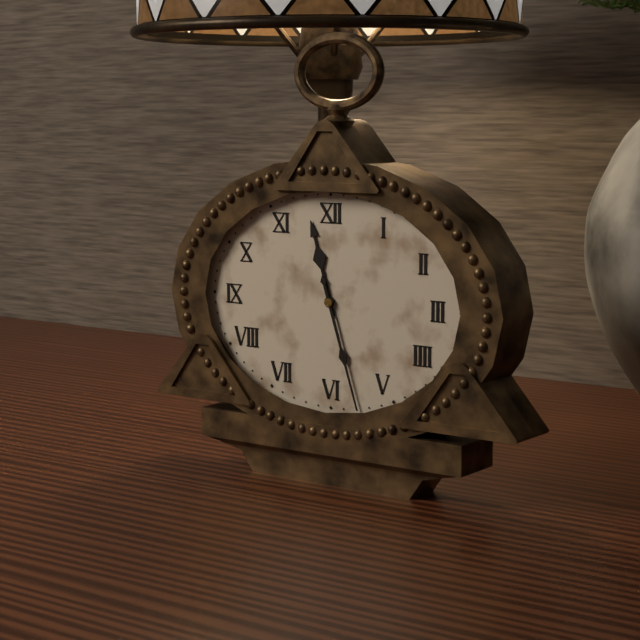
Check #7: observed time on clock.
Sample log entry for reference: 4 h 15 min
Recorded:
11 h 27 min
